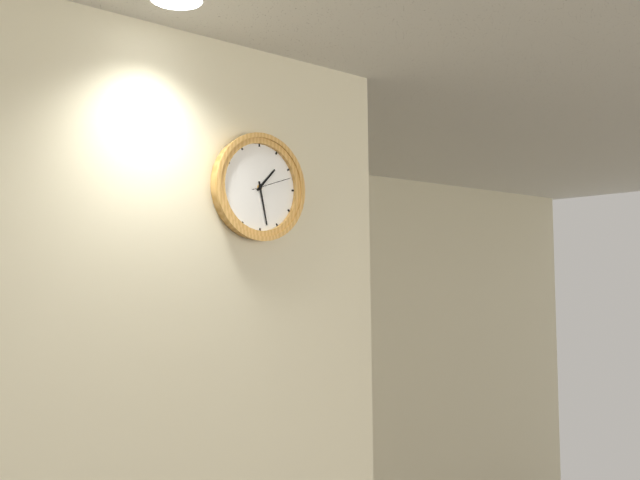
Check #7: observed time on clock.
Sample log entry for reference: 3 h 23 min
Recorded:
1 h 28 min
